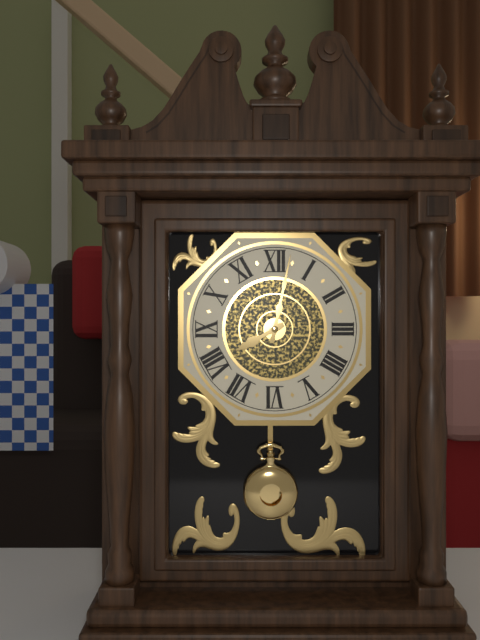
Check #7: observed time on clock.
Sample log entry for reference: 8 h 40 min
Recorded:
8 h 02 min
